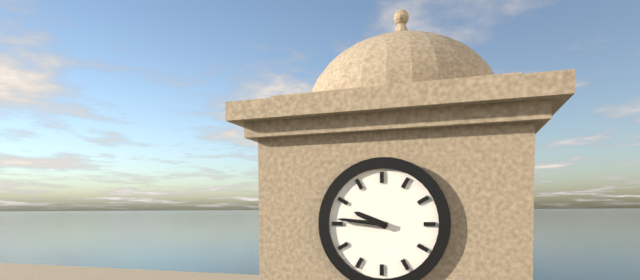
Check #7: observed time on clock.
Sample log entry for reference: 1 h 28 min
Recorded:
9 h 46 min
